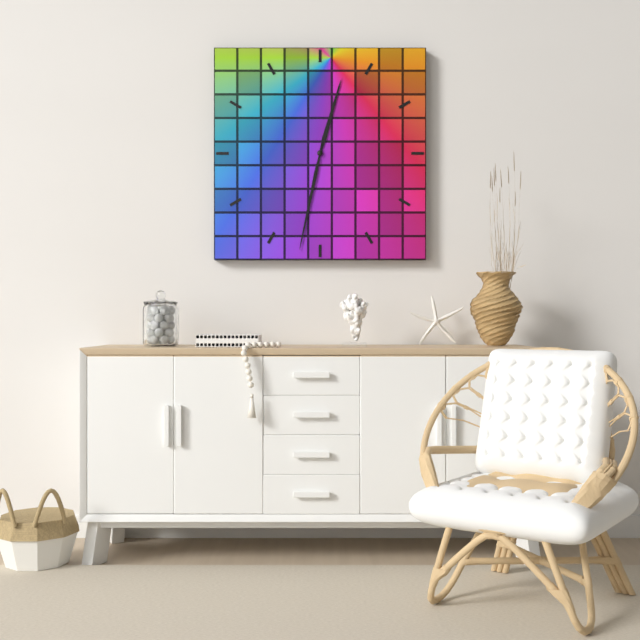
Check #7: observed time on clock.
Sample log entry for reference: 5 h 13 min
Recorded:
12 h 32 min
